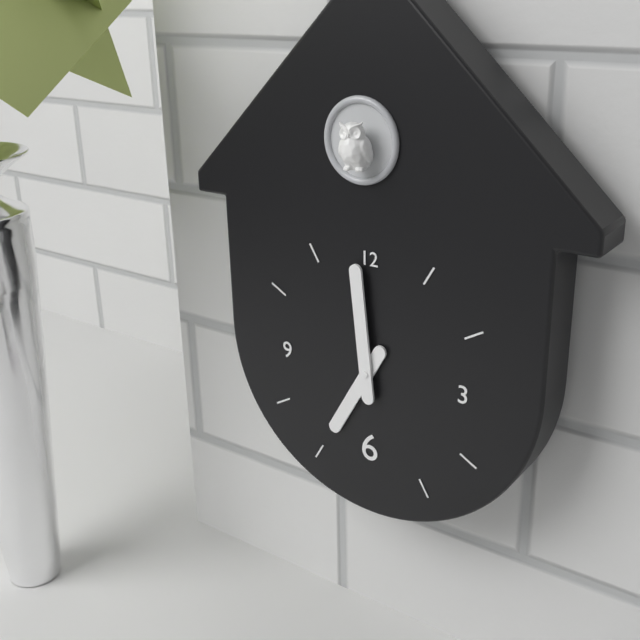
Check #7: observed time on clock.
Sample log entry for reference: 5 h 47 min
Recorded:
6 h 59 min
